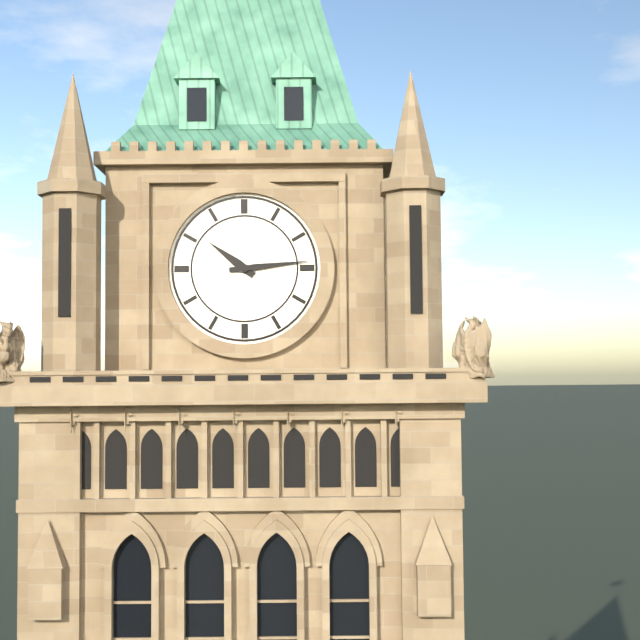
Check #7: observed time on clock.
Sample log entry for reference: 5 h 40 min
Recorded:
10 h 14 min
